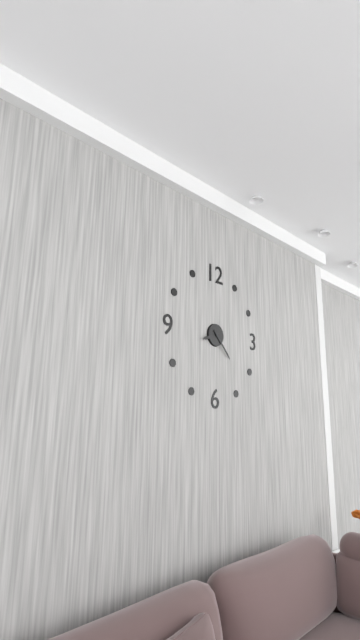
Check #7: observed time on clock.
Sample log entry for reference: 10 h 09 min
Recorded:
8 h 23 min
